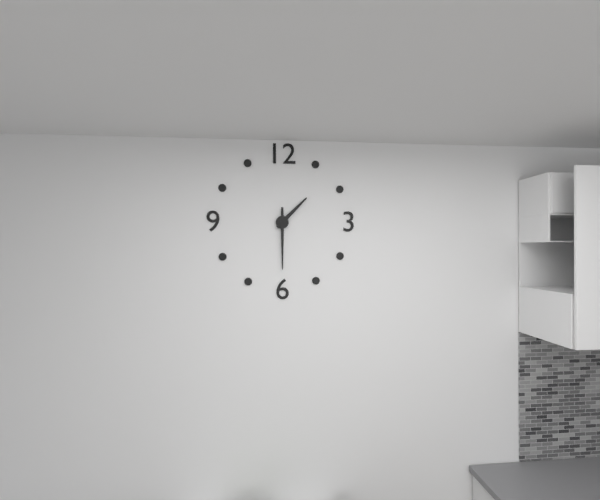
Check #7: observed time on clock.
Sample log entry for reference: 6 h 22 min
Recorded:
1 h 30 min
